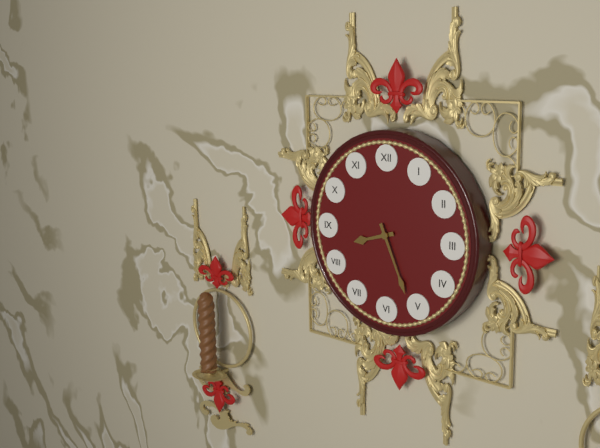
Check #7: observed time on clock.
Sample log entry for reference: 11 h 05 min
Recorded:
8 h 26 min
